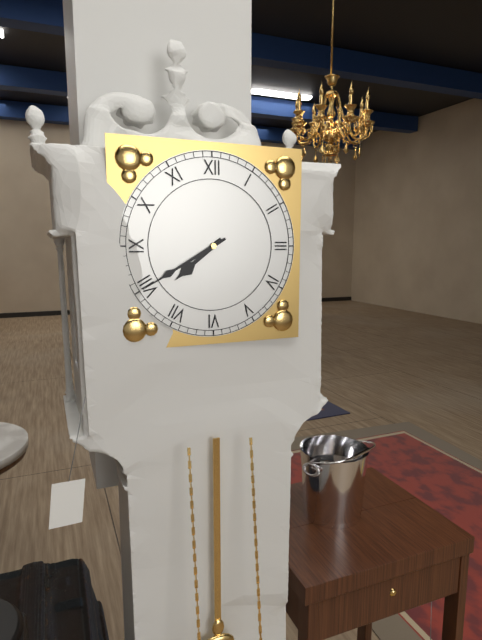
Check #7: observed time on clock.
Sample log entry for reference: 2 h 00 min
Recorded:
7 h 40 min
